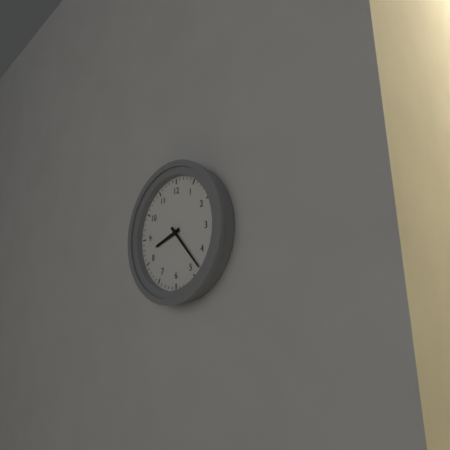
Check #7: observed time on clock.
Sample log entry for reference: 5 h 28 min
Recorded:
8 h 23 min
